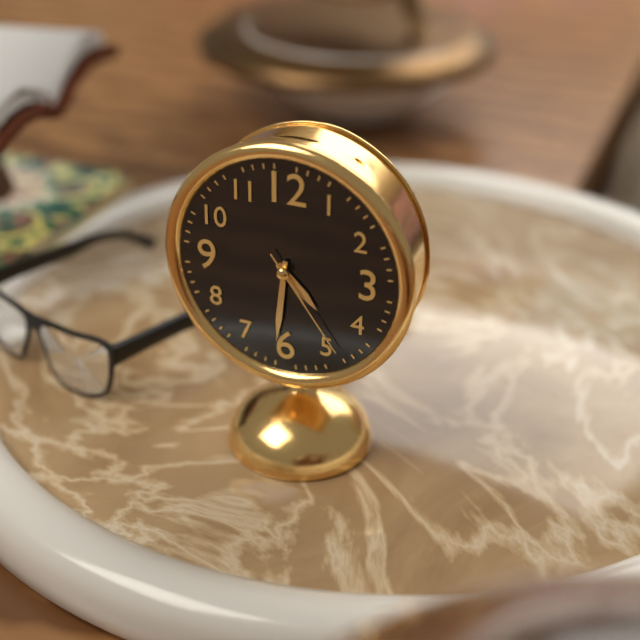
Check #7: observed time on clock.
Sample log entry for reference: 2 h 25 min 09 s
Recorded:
4 h 31 min 24 s
